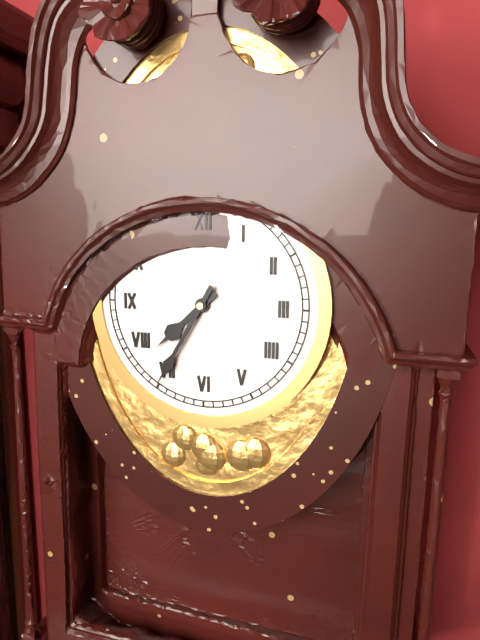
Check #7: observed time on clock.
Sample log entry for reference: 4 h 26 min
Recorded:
7 h 35 min
